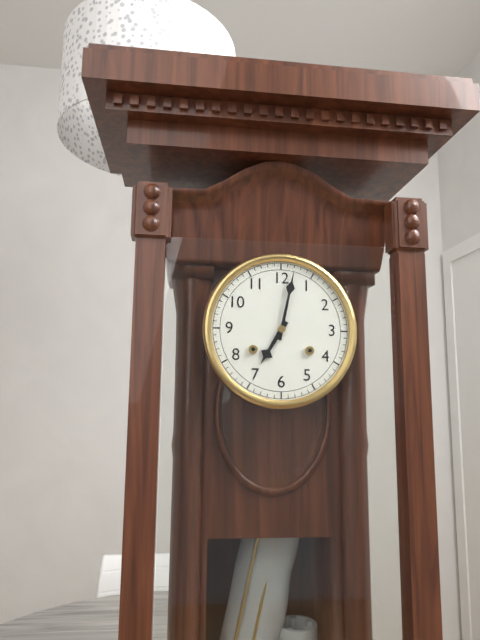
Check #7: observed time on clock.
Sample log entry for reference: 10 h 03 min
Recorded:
7 h 02 min
